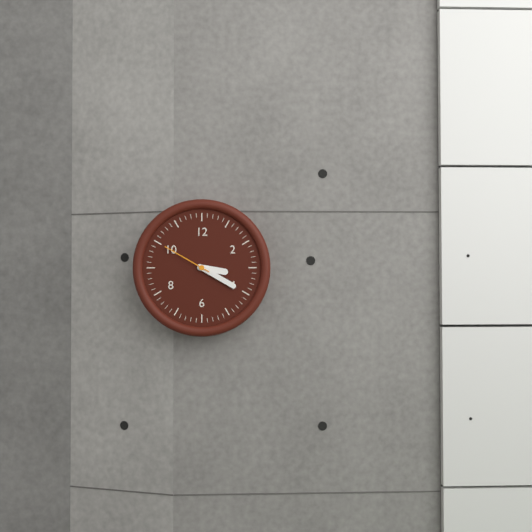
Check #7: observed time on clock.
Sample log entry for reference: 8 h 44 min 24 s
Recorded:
3 h 20 min 50 s
